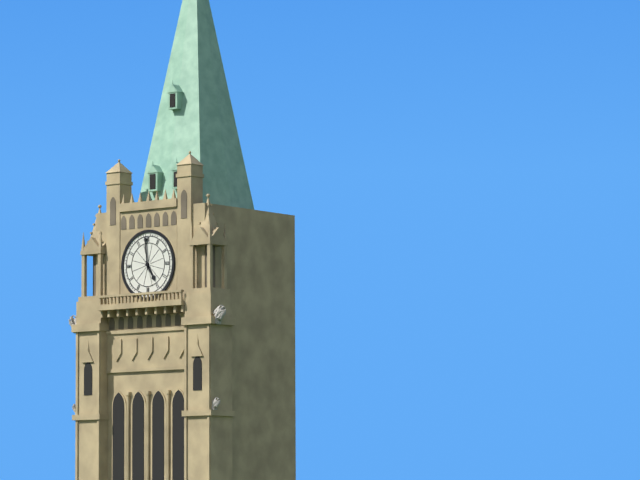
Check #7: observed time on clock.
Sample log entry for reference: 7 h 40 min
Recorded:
4 h 59 min
